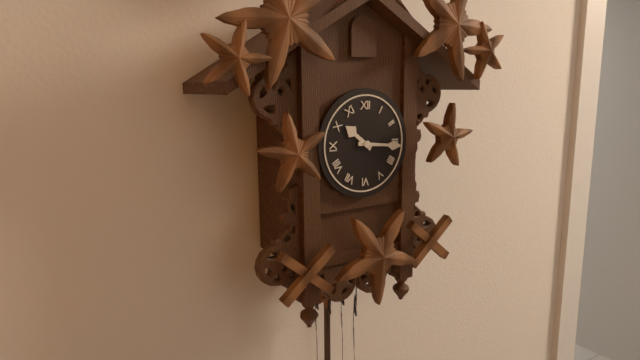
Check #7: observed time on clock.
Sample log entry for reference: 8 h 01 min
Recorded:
10 h 16 min
